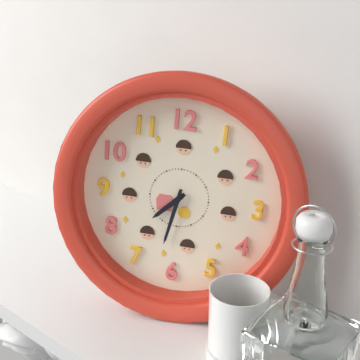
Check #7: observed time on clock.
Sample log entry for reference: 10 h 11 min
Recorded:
7 h 32 min
